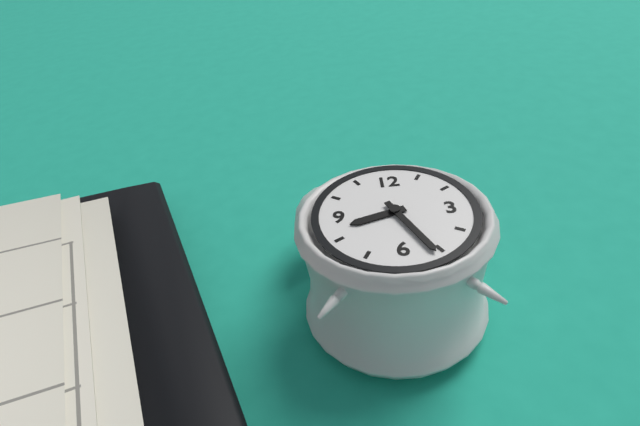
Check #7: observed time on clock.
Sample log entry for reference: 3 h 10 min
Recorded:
8 h 26 min
